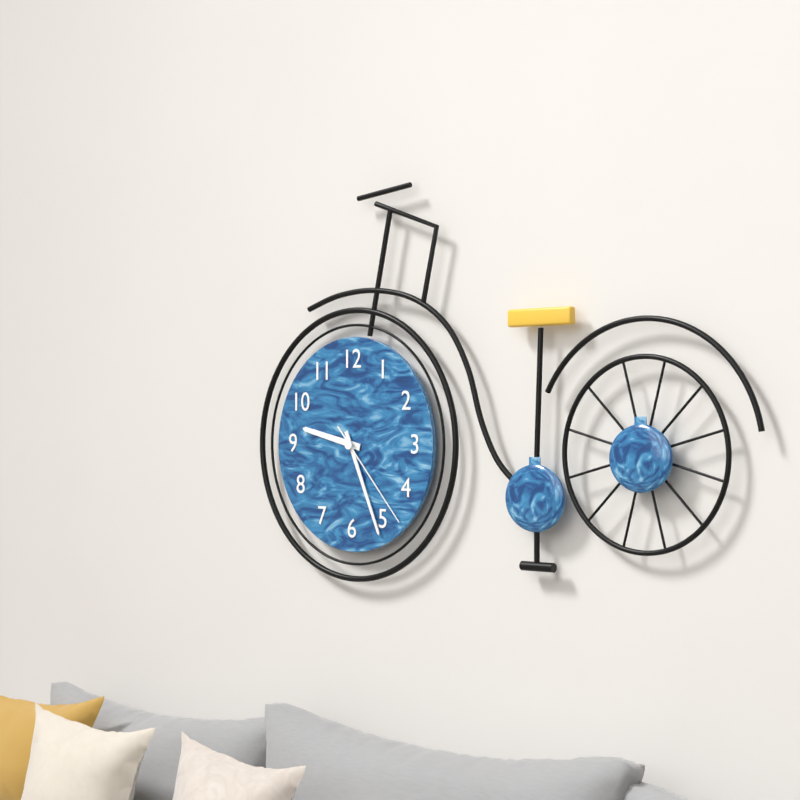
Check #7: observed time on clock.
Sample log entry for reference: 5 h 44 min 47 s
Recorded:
9 h 26 min 23 s
